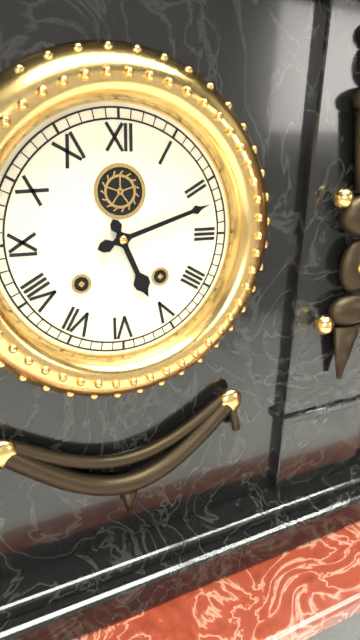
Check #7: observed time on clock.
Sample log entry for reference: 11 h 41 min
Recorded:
5 h 12 min
